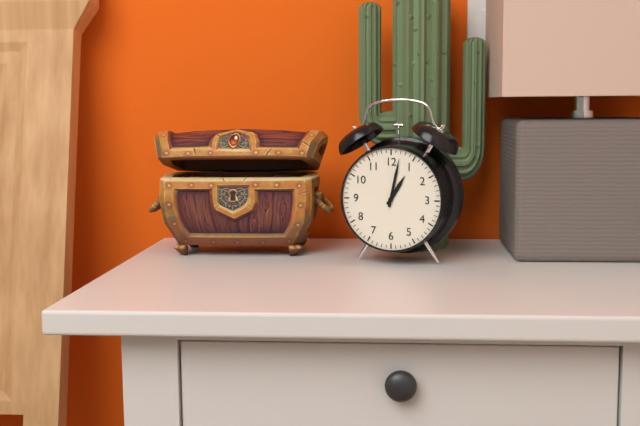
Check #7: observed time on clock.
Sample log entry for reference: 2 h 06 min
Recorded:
1 h 02 min
